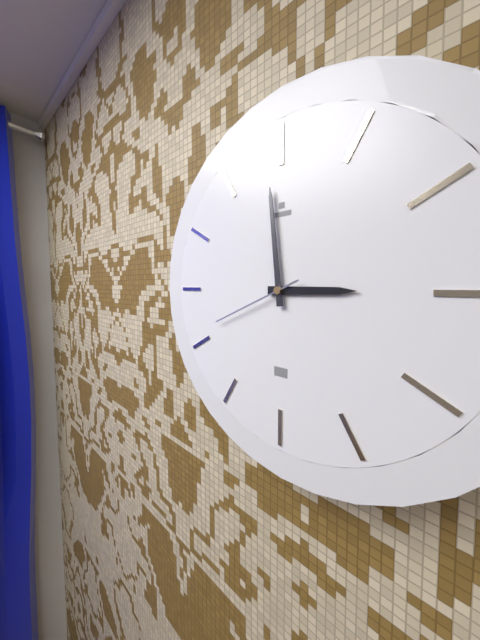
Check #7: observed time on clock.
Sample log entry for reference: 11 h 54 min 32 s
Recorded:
2 h 59 min 41 s
